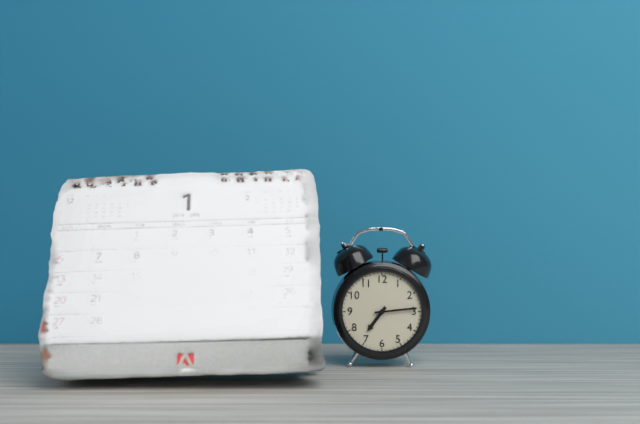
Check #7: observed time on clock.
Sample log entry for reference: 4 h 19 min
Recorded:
7 h 14 min
